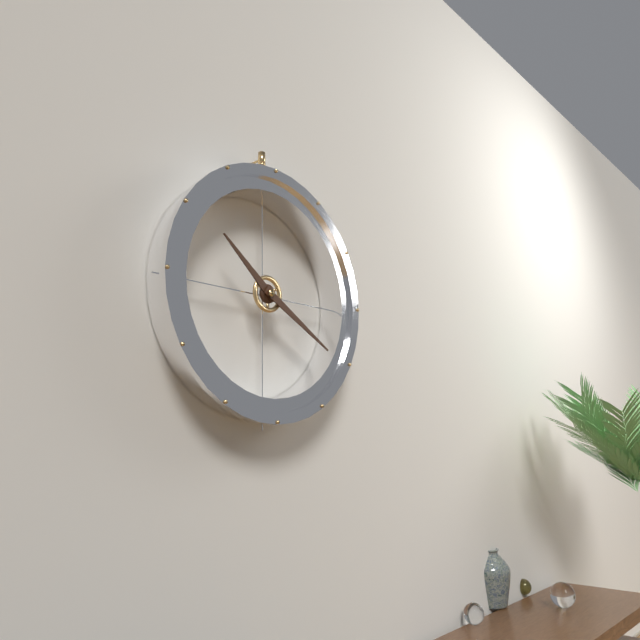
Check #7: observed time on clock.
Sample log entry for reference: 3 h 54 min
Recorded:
10 h 20 min
